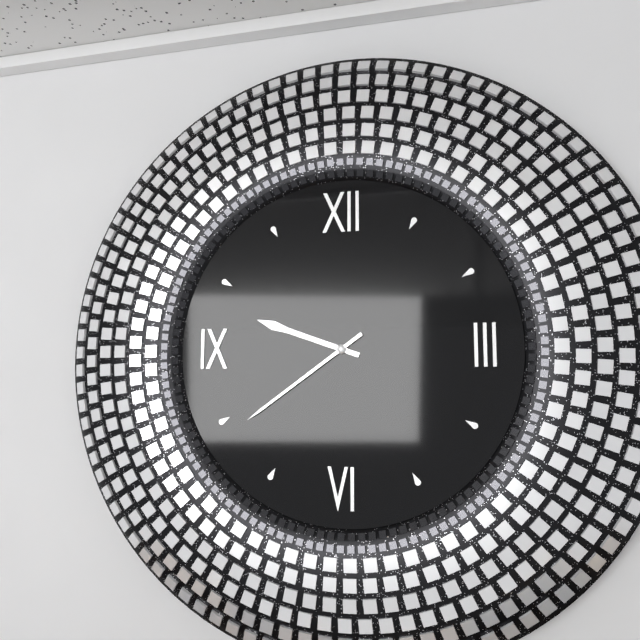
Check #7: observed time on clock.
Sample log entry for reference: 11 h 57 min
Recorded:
9 h 39 min
